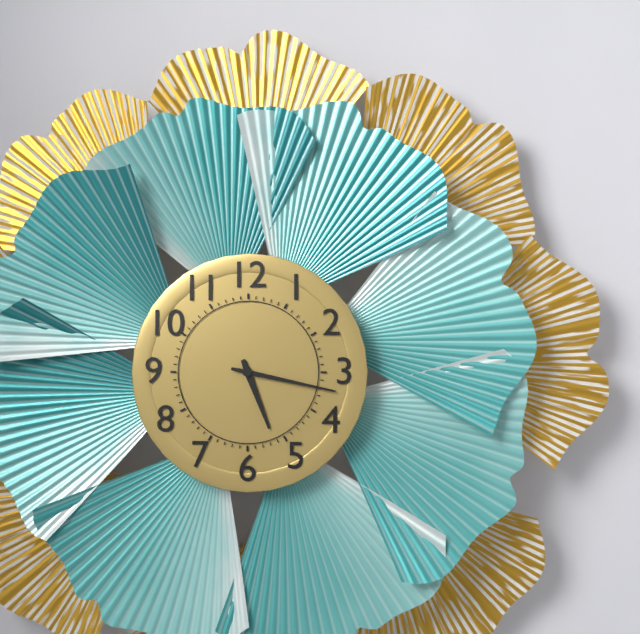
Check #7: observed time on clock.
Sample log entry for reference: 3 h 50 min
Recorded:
5 h 17 min
